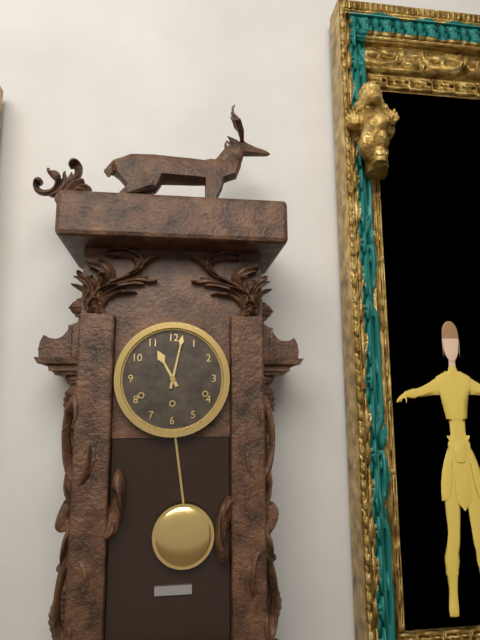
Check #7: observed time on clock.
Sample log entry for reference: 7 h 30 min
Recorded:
11 h 02 min
